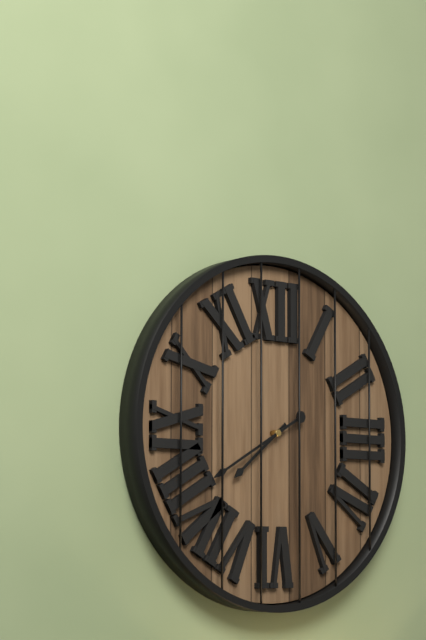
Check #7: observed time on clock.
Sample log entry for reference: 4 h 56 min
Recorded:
7 h 40 min
